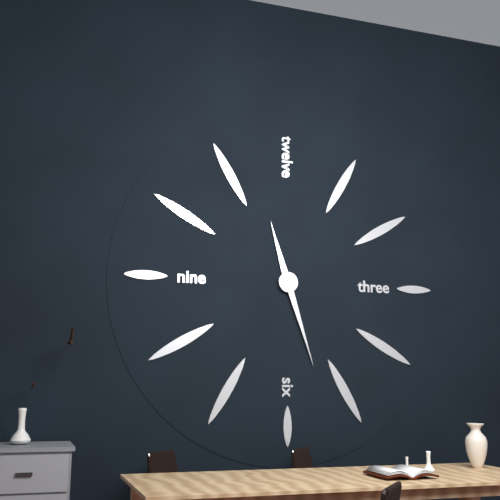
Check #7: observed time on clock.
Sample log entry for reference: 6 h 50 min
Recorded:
11 h 27 min
